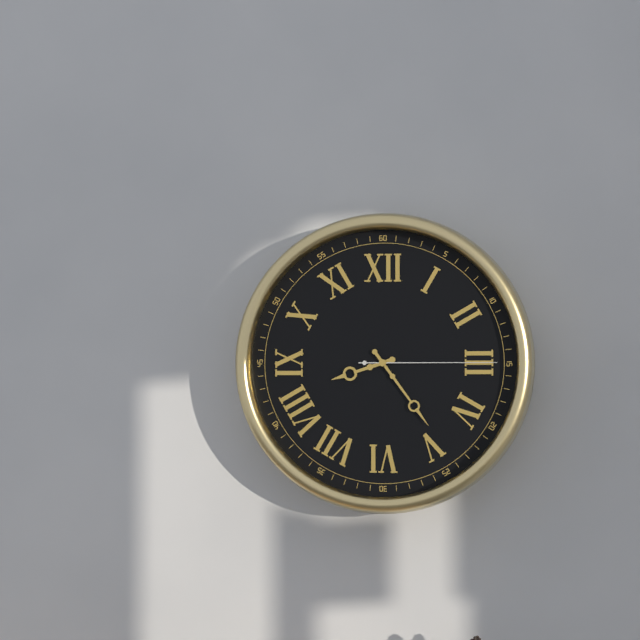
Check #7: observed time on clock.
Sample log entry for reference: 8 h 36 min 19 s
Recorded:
8 h 24 min 15 s
